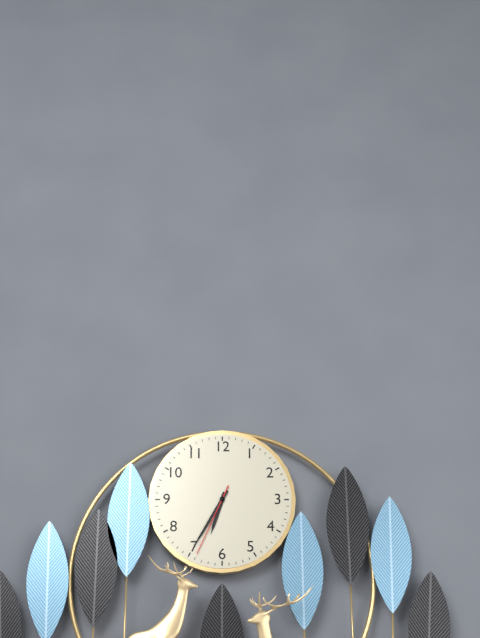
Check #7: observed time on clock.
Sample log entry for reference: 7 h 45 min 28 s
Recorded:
6 h 35 min 34 s
